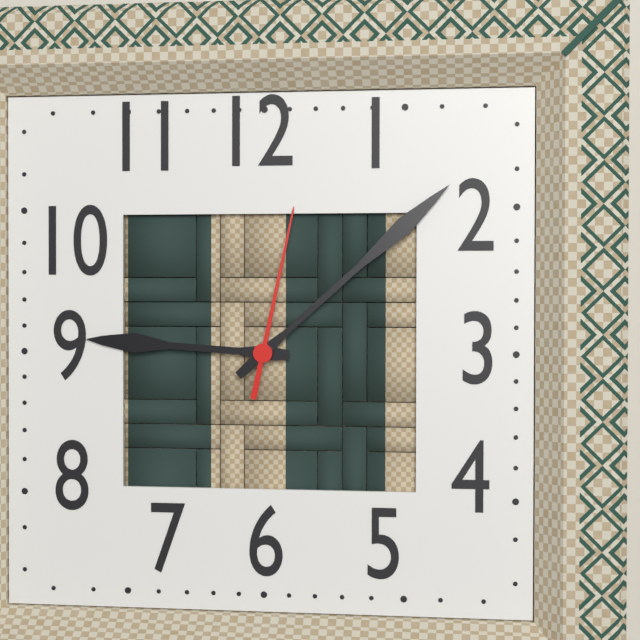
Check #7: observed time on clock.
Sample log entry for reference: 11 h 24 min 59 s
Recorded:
9 h 08 min 02 s
